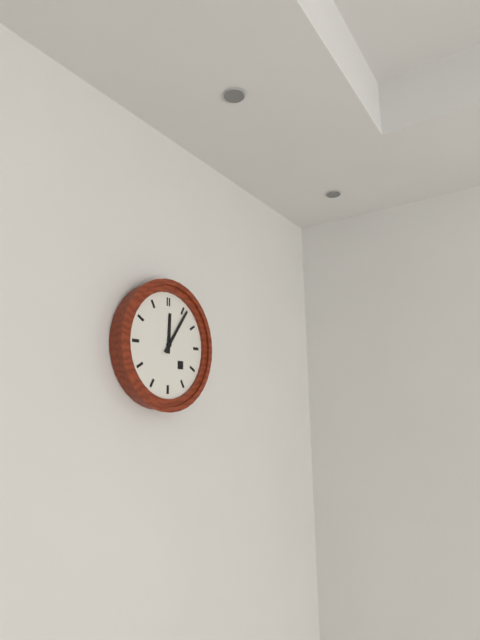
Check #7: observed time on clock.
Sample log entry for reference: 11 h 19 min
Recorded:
12 h 06 min
